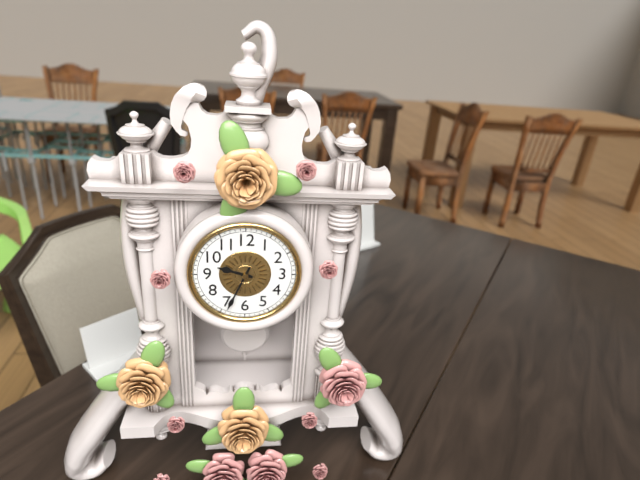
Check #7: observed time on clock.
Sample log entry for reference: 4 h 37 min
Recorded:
9 h 34 min
